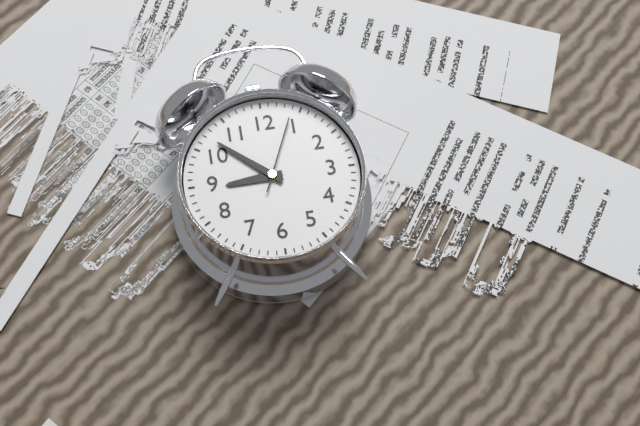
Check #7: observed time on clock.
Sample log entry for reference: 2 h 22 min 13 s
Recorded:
8 h 52 min 04 s
